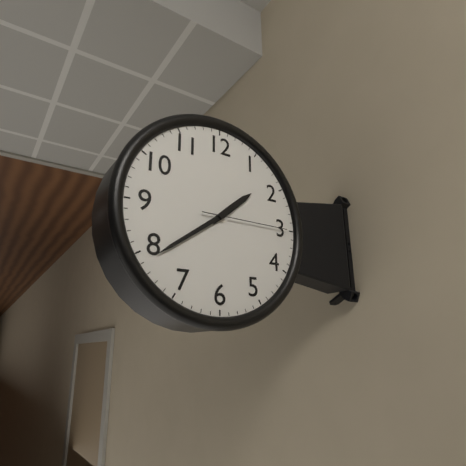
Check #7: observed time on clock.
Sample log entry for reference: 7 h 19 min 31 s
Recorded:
1 h 39 min 15 s
